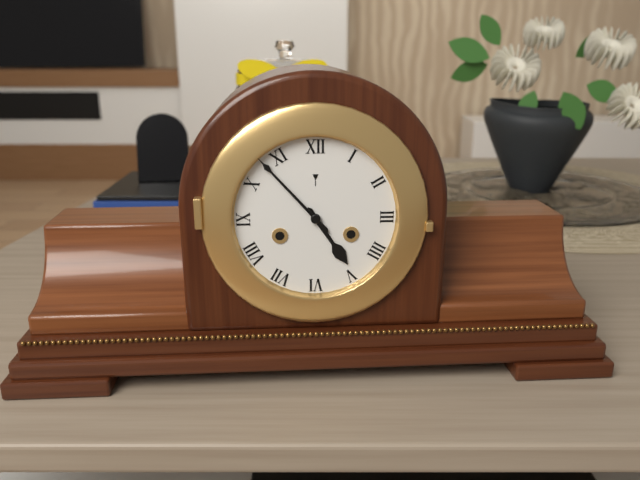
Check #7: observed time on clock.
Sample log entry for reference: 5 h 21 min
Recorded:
4 h 53 min
